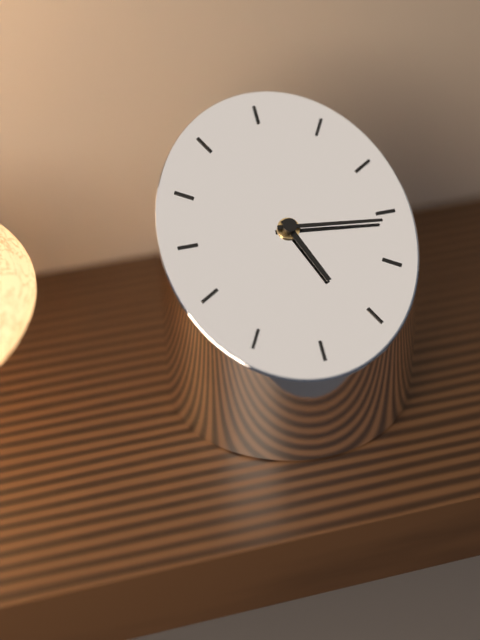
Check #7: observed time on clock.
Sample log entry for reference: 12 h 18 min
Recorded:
5 h 16 min
